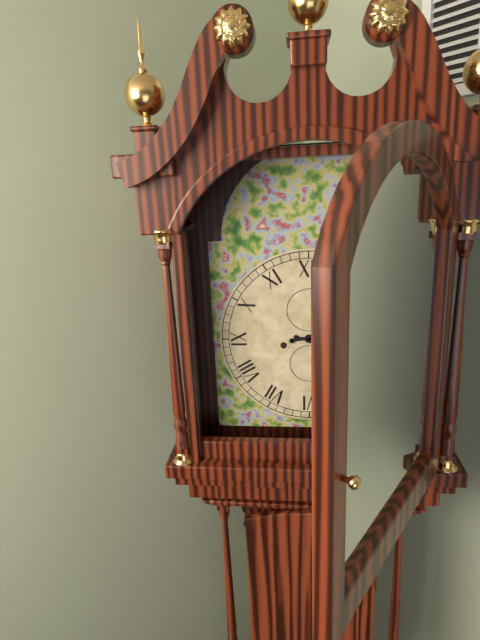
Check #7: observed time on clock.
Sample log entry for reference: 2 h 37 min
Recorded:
3 h 14 min
